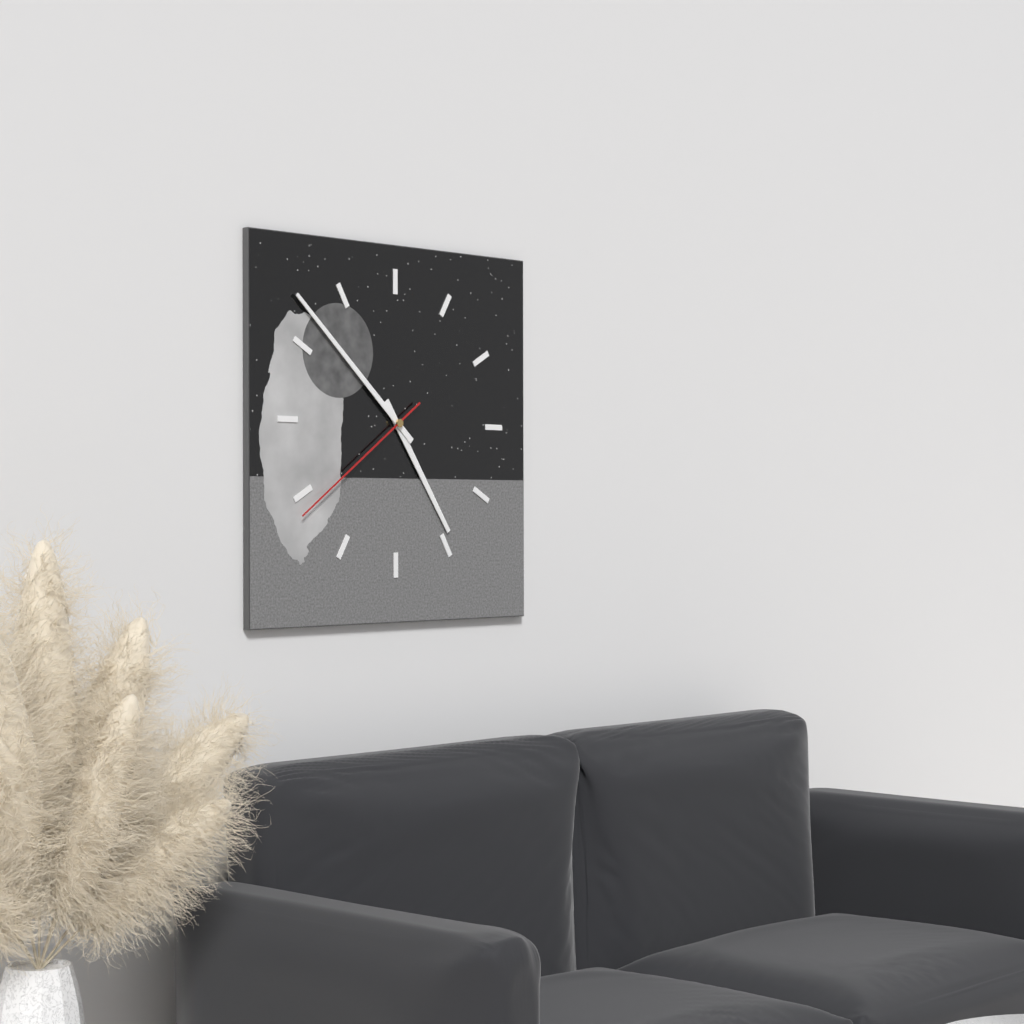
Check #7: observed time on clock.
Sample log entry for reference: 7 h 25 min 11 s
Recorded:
4 h 52 min 39 s
